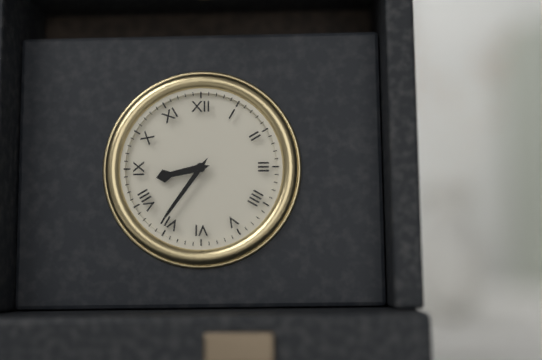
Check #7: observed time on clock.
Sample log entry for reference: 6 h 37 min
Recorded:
8 h 36 min
